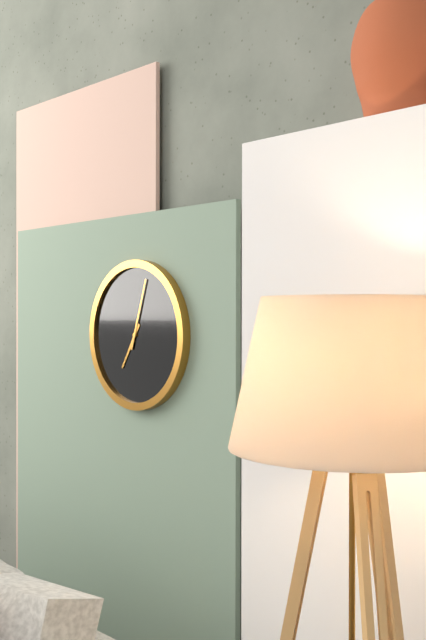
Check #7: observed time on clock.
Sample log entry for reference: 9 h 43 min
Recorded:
7 h 03 min
